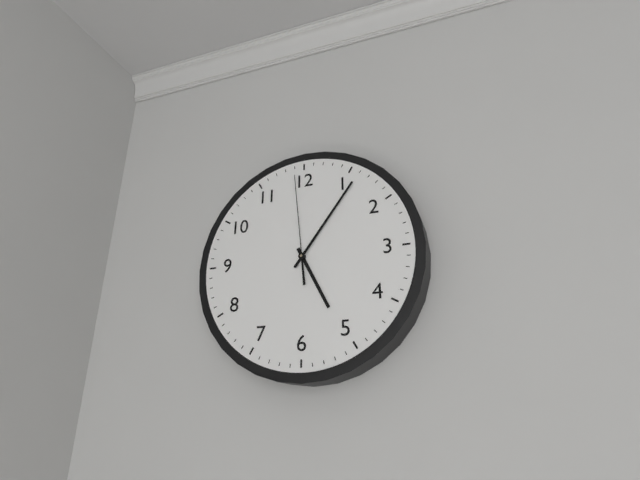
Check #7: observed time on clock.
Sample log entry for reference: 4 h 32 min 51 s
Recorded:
5 h 06 min 59 s
